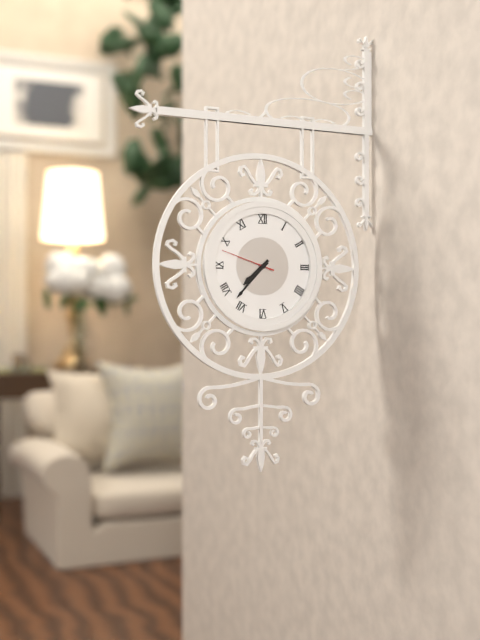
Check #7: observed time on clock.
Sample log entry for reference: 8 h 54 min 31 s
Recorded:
7 h 37 min 48 s
